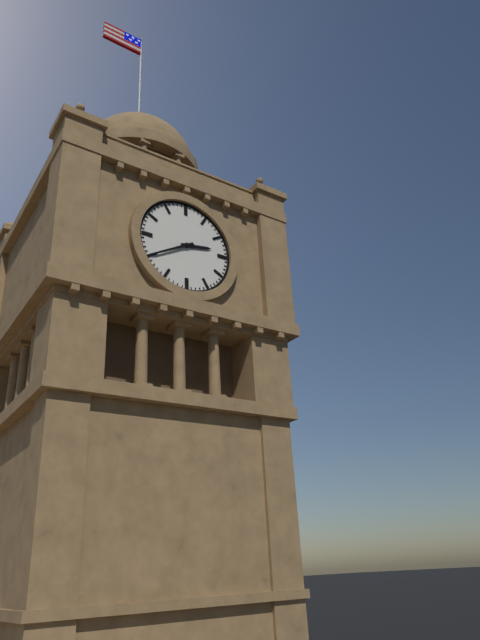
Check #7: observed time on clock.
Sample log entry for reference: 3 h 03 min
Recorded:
2 h 40 min
